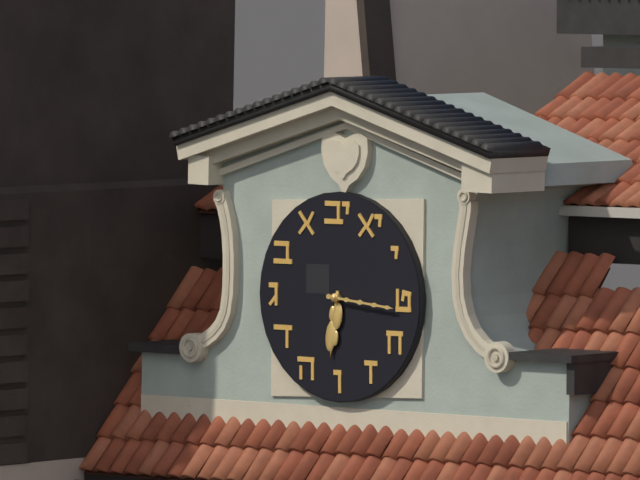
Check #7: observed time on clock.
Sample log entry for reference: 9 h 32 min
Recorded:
6 h 16 min
